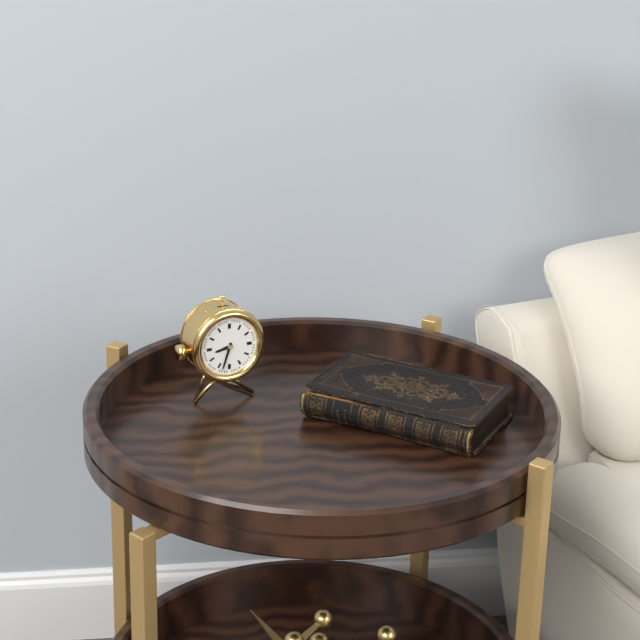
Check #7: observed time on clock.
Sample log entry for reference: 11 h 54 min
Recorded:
8 h 33 min
